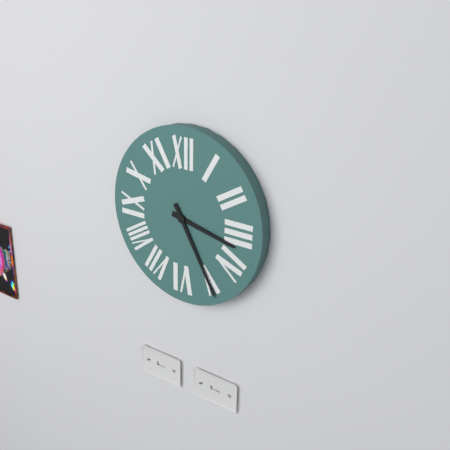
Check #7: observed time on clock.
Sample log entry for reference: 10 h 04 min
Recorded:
3 h 25 min
